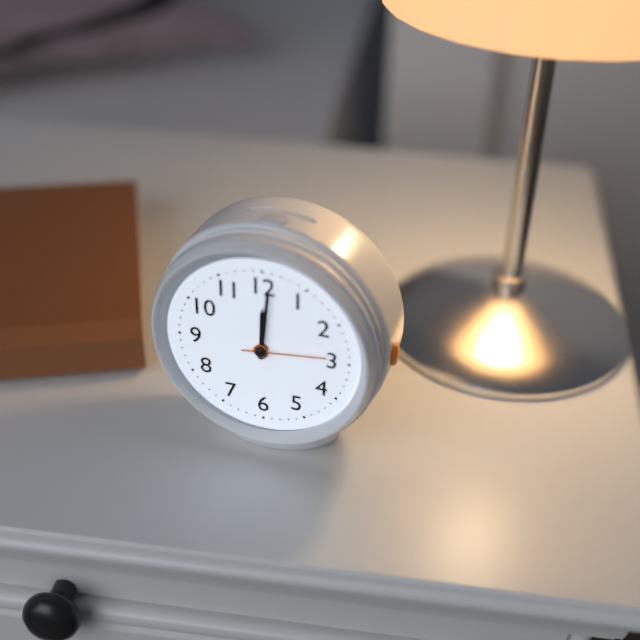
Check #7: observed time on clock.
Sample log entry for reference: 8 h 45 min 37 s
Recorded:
12 h 01 min 14 s
